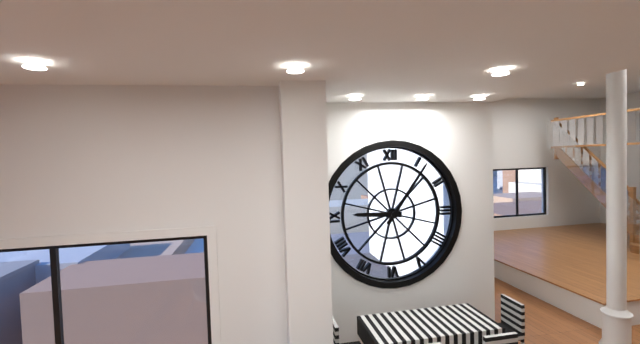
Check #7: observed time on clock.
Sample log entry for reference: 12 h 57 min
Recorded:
9 h 06 min
